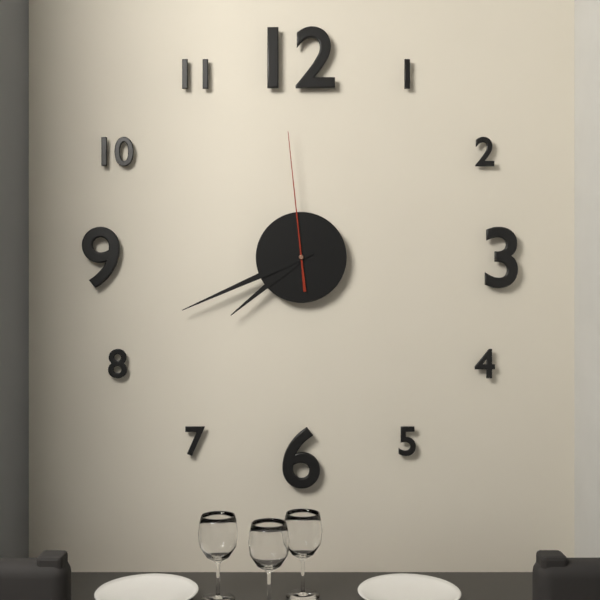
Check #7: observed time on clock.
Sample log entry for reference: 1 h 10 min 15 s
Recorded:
7 h 41 min 59 s
